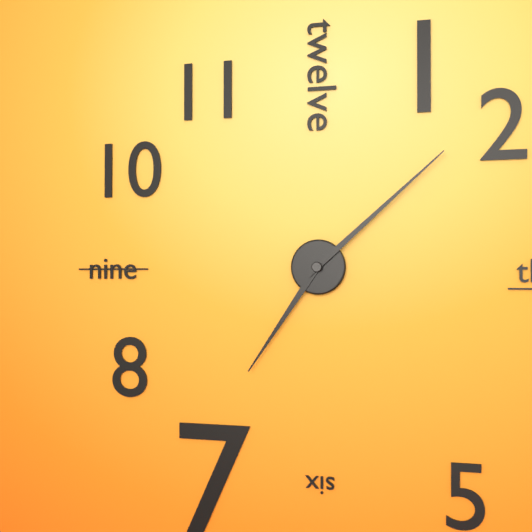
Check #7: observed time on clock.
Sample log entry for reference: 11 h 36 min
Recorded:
7 h 08 min
